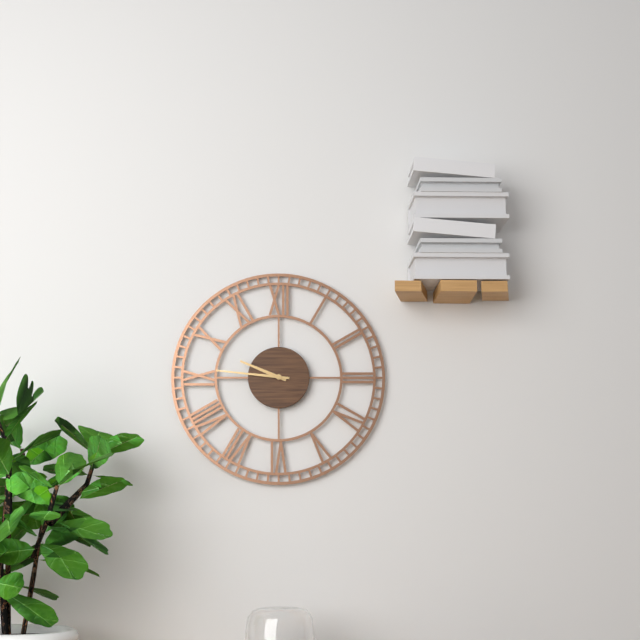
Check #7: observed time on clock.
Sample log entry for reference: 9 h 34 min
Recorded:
9 h 46 min
